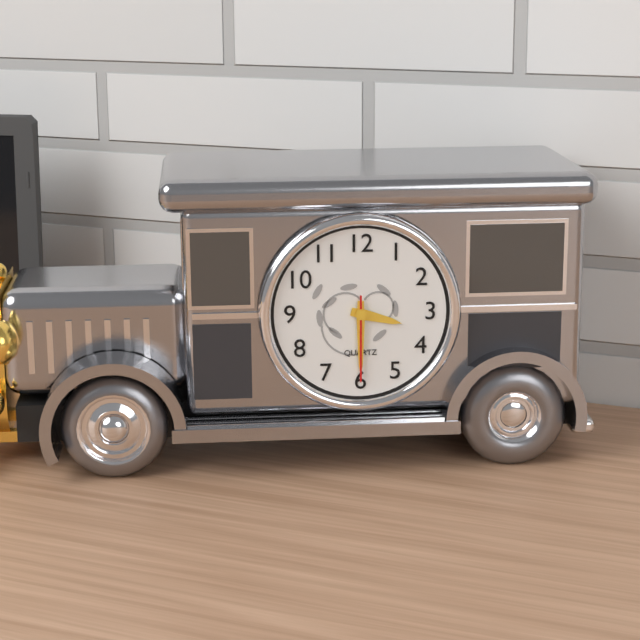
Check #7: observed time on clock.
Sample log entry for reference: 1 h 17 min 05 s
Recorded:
3 h 30 min 30 s
